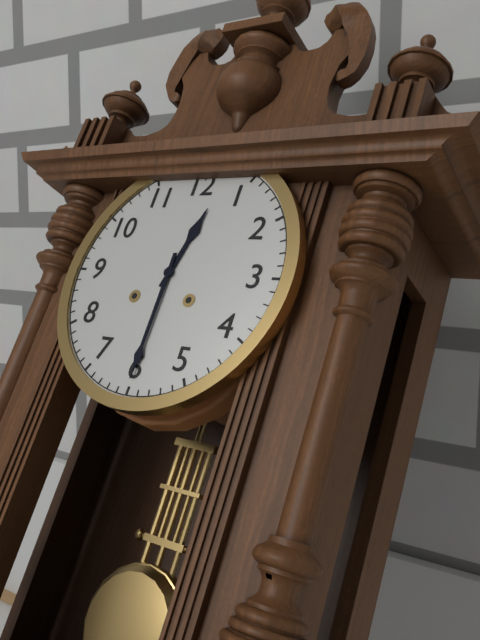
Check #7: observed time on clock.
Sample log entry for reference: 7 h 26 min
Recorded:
12 h 30 min
